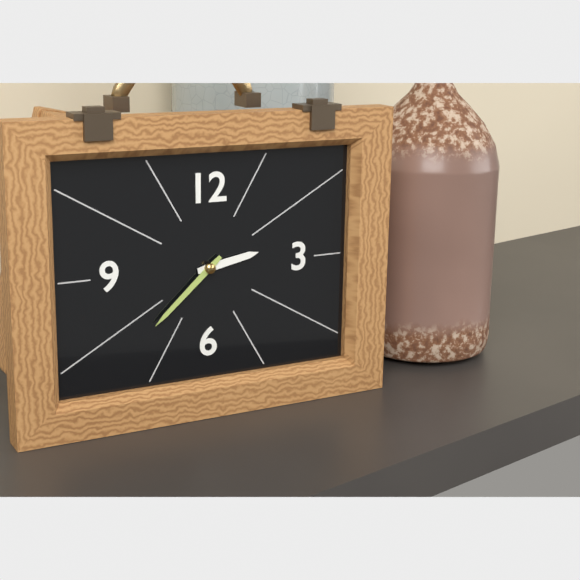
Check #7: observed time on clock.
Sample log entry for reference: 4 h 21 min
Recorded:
2 h 38 min
